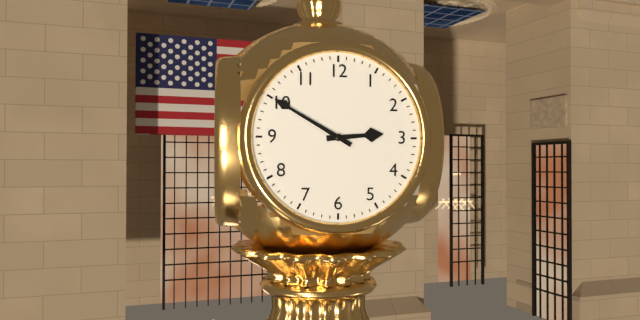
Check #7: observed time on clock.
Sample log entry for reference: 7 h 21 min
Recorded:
2 h 50 min
